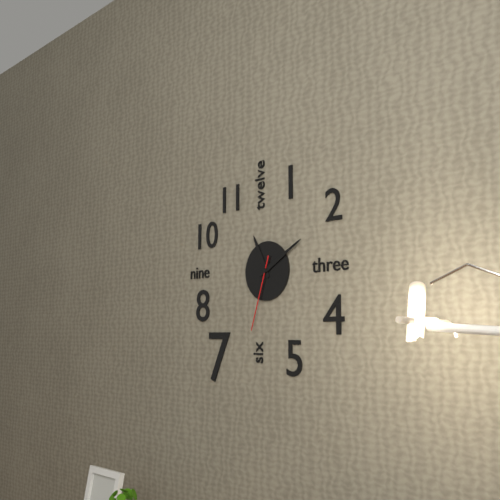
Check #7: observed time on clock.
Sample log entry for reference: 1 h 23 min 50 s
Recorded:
11 h 10 min 33 s
